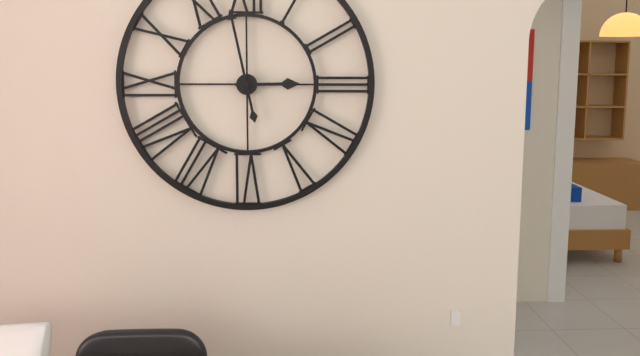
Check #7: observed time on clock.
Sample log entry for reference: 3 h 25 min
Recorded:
2 h 58 min
